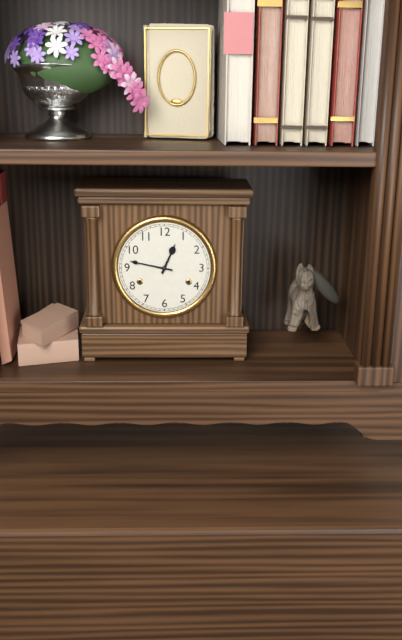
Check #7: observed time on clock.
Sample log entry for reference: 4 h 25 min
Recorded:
12 h 47 min
